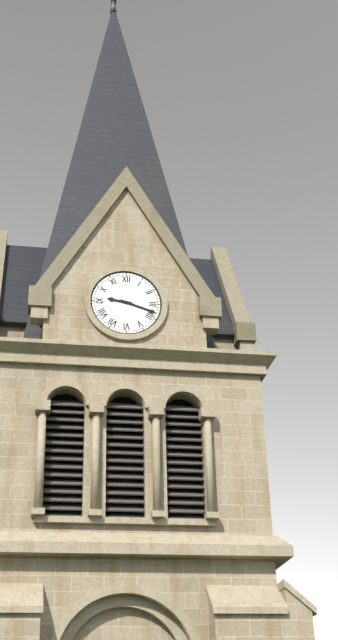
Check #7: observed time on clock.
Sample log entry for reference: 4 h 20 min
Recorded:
9 h 18 min
